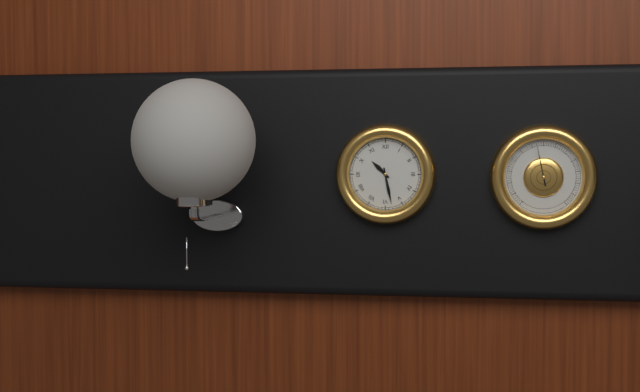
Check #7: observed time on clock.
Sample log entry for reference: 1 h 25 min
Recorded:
10 h 28 min
